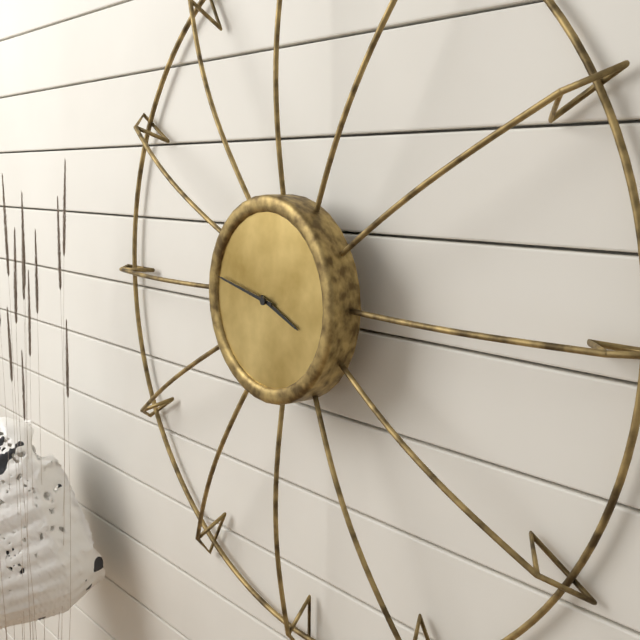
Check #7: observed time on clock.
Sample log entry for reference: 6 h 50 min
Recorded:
3 h 47 min
